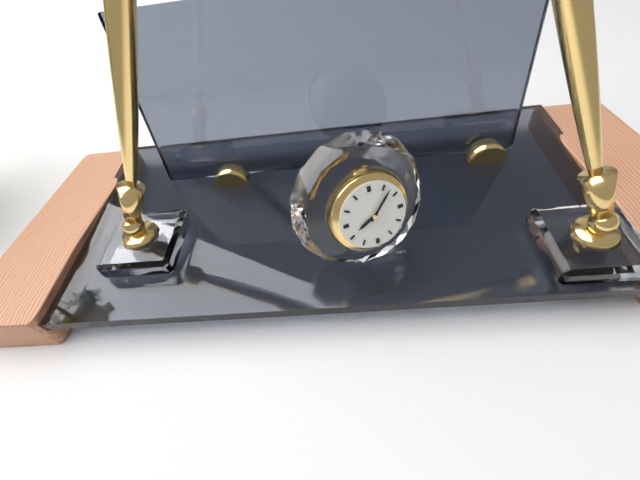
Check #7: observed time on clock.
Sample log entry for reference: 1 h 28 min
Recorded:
8 h 07 min
